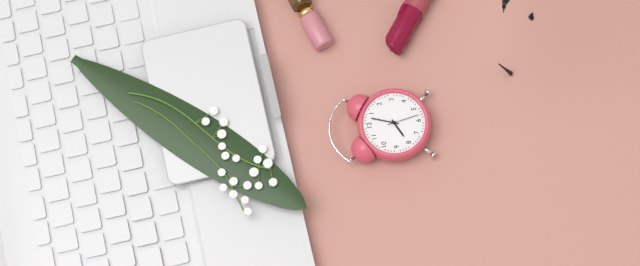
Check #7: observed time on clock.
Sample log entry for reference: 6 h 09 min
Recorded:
8 h 03 min
